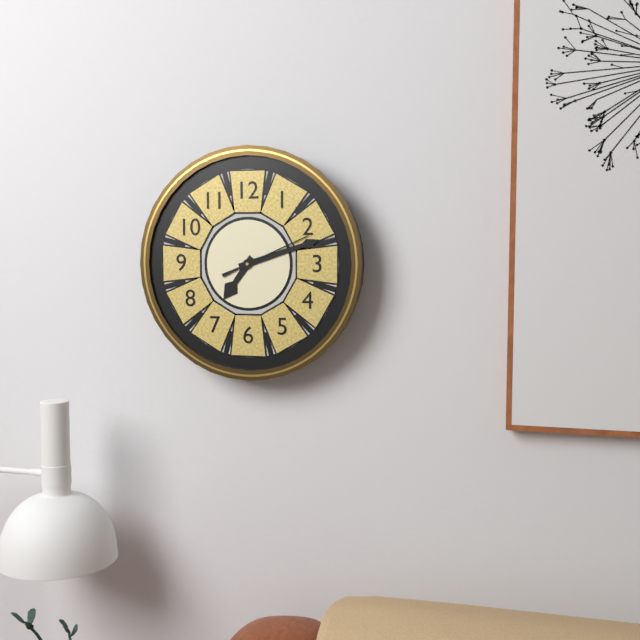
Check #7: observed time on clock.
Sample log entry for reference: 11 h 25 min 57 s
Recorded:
7 h 12 min 11 s
